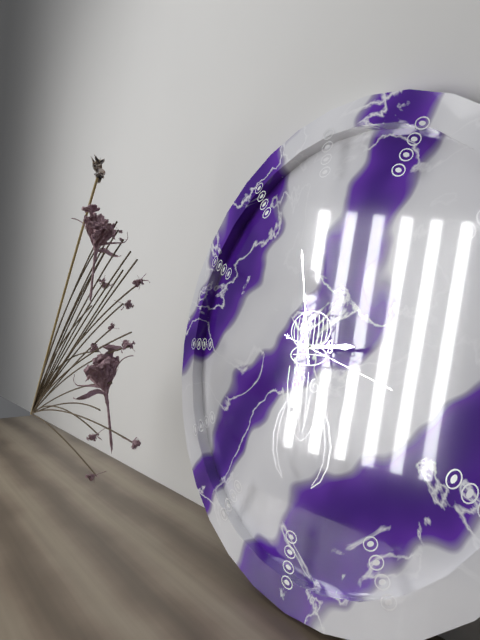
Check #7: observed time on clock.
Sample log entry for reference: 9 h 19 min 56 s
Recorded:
2 h 58 min 18 s
